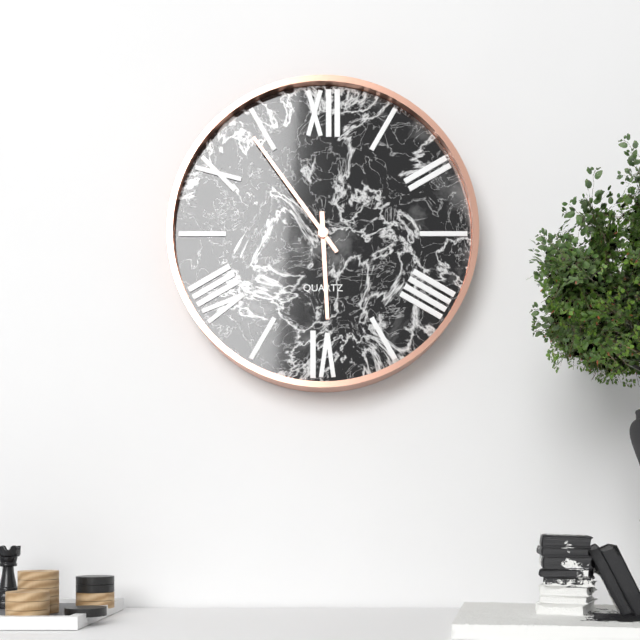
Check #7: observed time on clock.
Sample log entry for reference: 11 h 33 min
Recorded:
5 h 54 min
